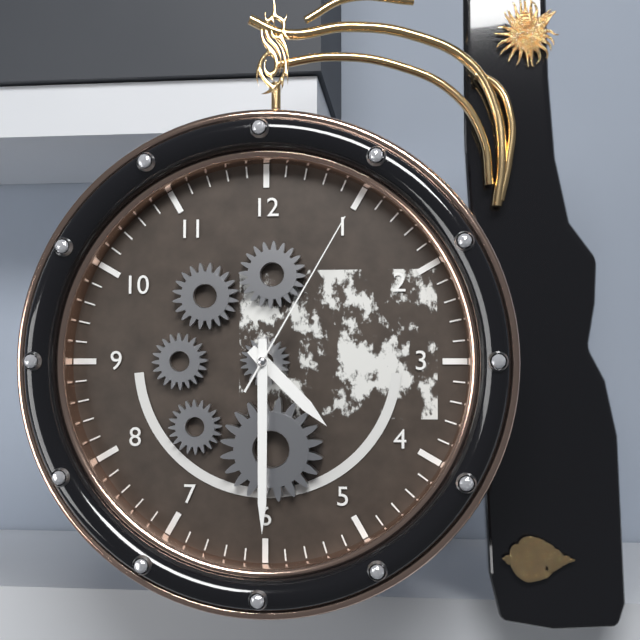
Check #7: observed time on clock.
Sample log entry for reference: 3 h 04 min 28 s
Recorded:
4 h 30 min 05 s
